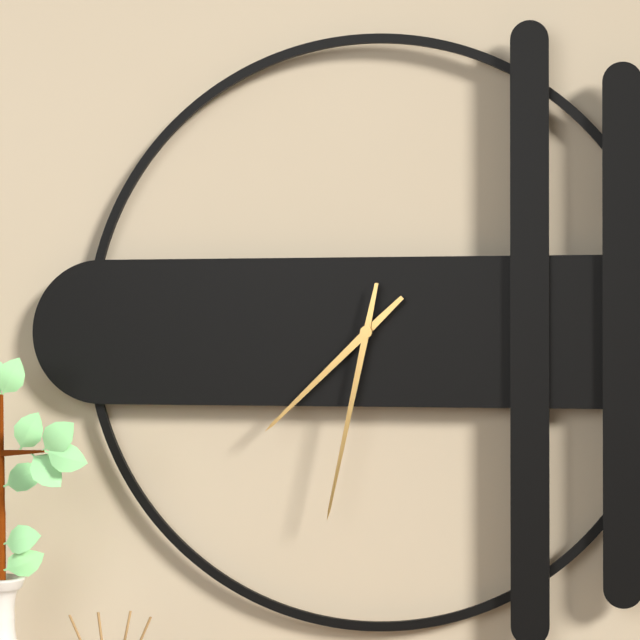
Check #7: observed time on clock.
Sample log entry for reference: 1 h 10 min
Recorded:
7 h 32 min
